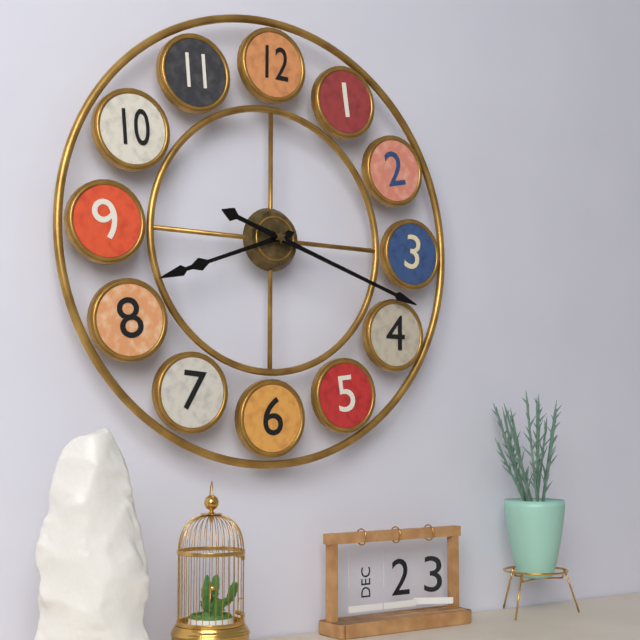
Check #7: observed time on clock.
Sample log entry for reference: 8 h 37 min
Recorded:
8 h 18 min
